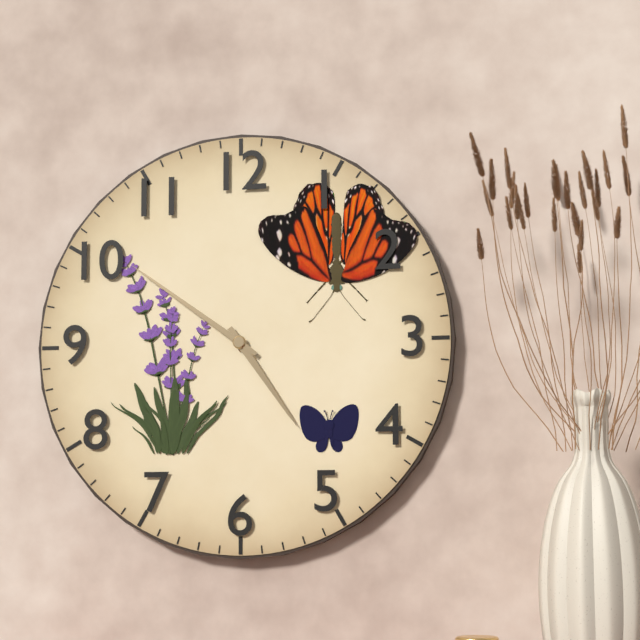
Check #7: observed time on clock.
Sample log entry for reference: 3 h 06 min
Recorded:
4 h 51 min
